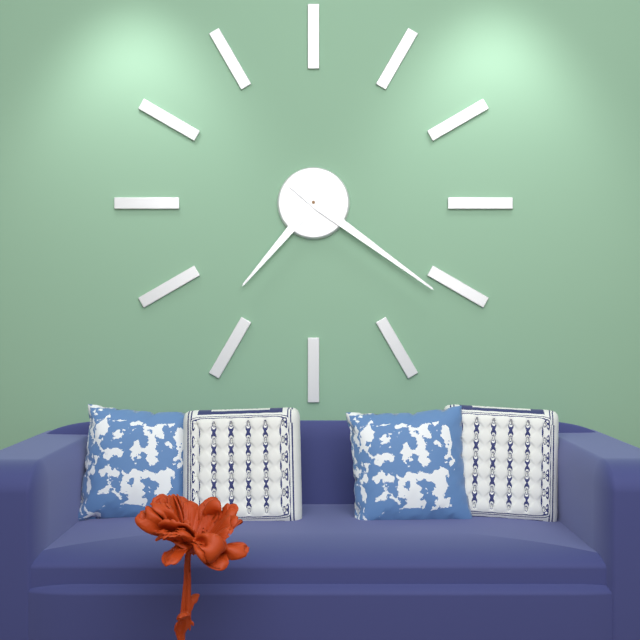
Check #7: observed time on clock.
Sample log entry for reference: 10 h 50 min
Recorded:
7 h 21 min
